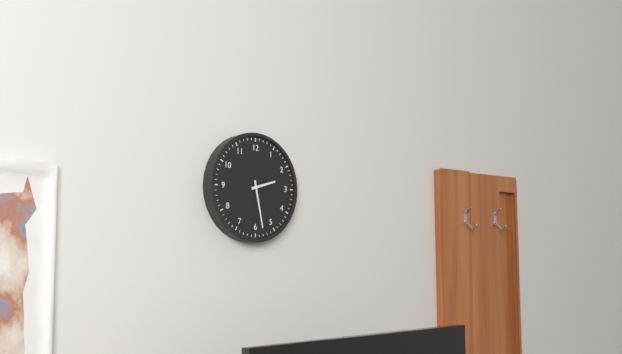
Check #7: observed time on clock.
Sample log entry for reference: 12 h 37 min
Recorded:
2 h 28 min
